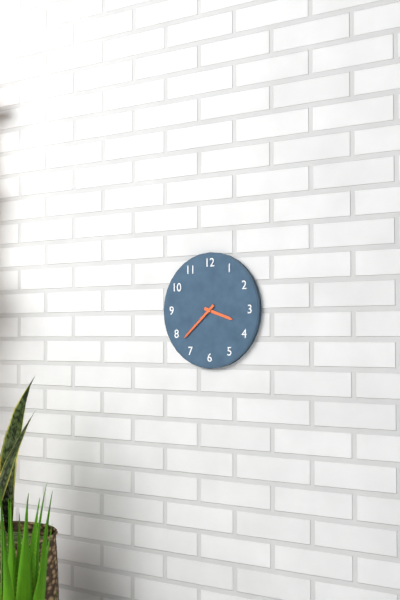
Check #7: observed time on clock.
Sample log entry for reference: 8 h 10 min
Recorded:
3 h 38 min
